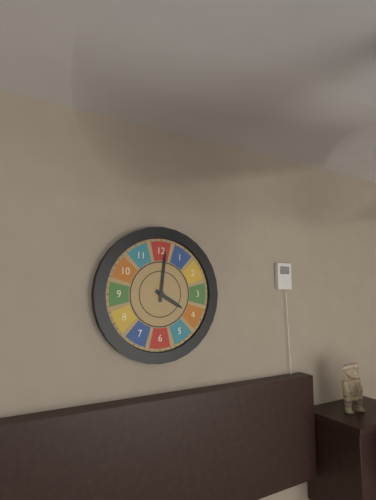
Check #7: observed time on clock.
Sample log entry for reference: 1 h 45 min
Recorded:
4 h 01 min
